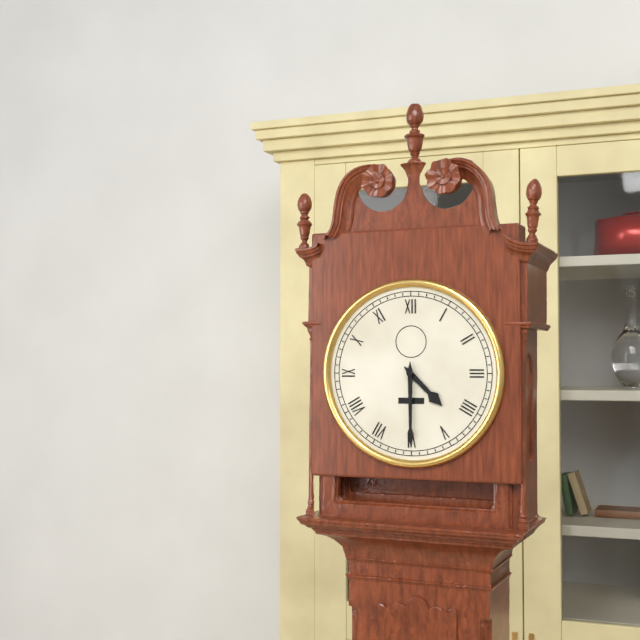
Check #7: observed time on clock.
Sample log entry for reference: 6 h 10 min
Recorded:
4 h 30 min
